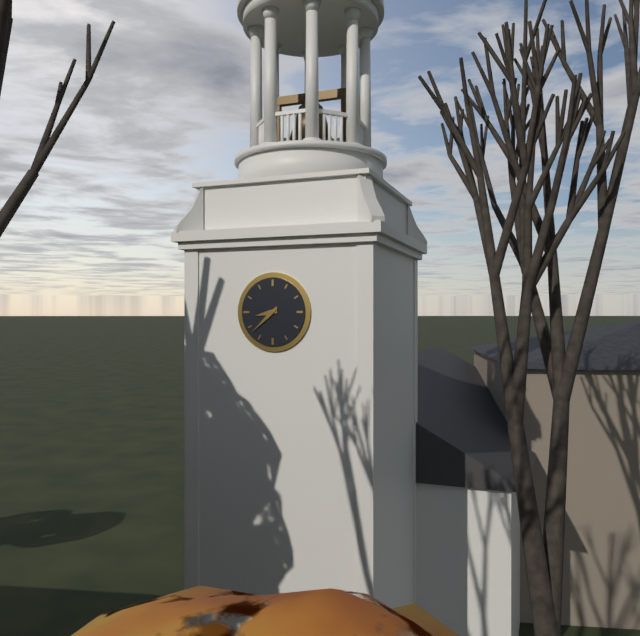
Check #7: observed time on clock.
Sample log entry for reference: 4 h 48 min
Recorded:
8 h 38 min
